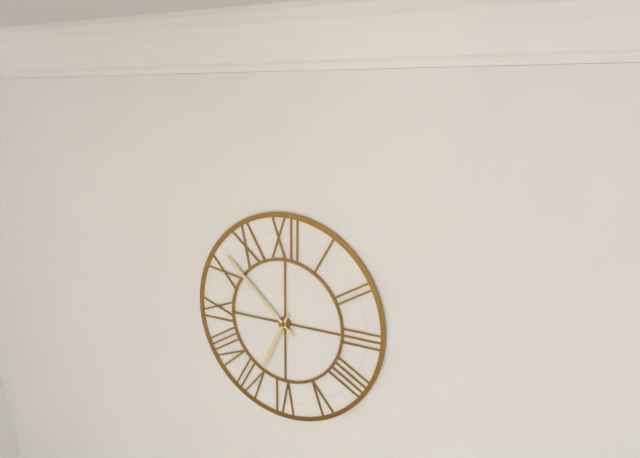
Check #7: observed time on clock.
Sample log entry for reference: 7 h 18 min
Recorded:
6 h 52 min
